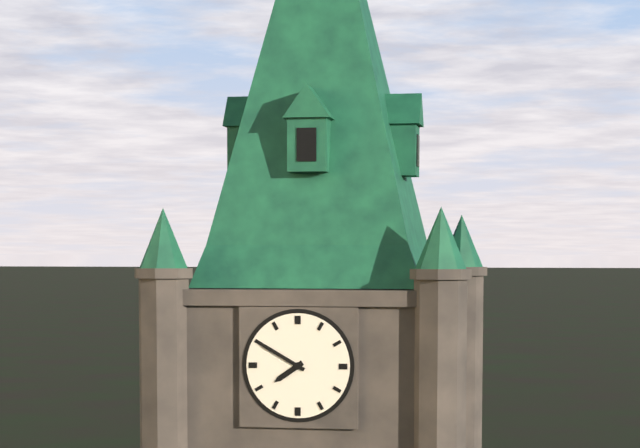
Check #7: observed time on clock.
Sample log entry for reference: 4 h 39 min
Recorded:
7 h 50 min
